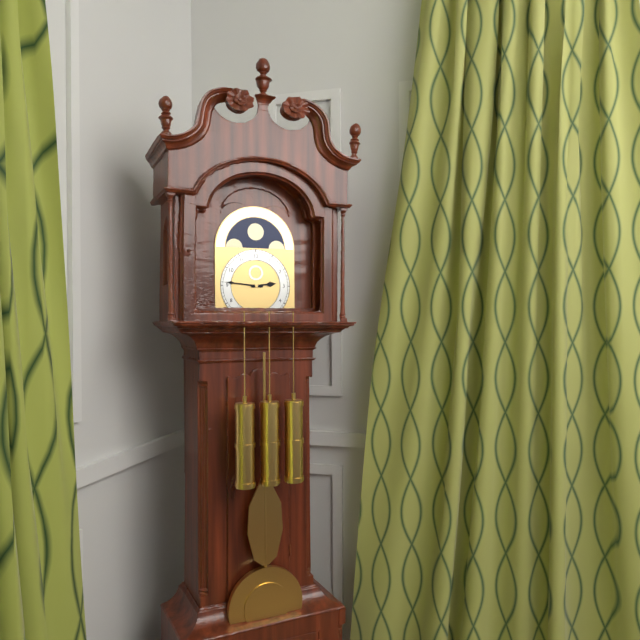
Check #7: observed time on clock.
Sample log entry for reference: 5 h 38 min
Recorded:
2 h 46 min
